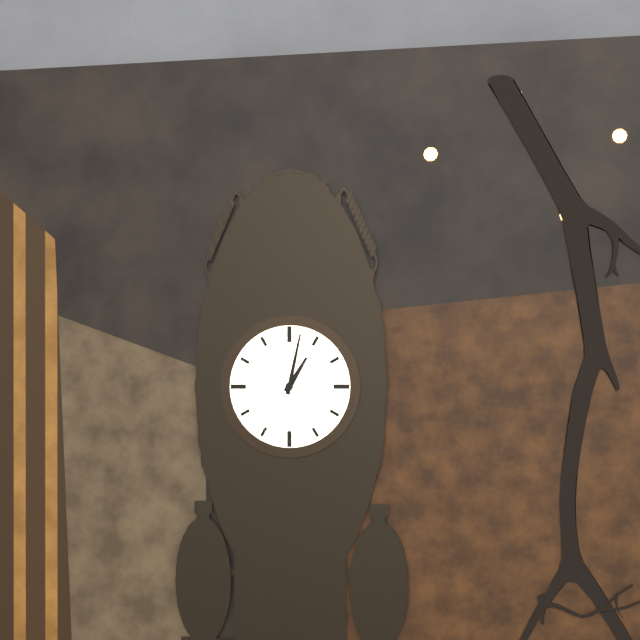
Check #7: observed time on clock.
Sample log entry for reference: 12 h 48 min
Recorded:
1 h 02 min
